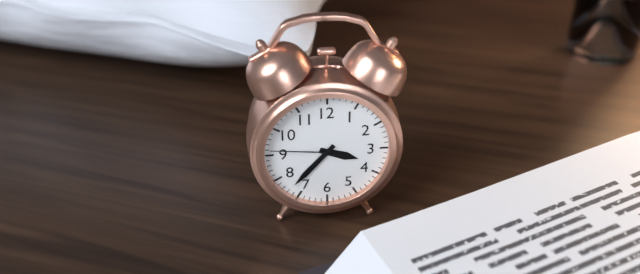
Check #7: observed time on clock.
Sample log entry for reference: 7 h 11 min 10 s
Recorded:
3 h 37 min 46 s
